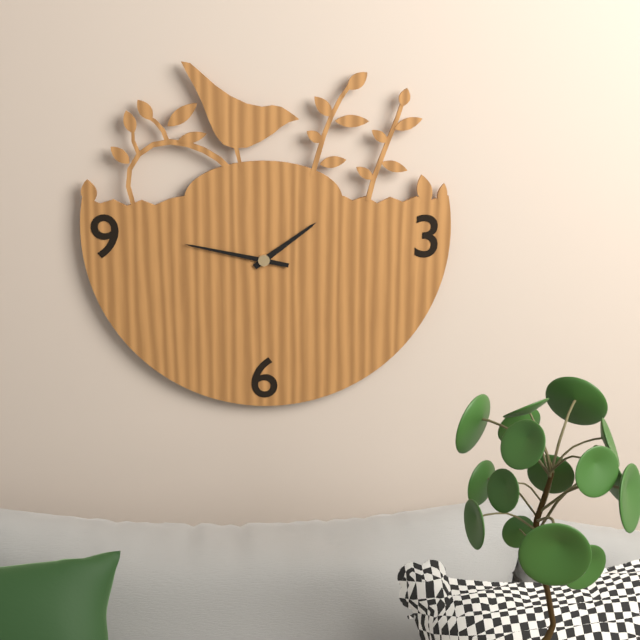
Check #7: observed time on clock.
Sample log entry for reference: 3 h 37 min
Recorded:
1 h 47 min
